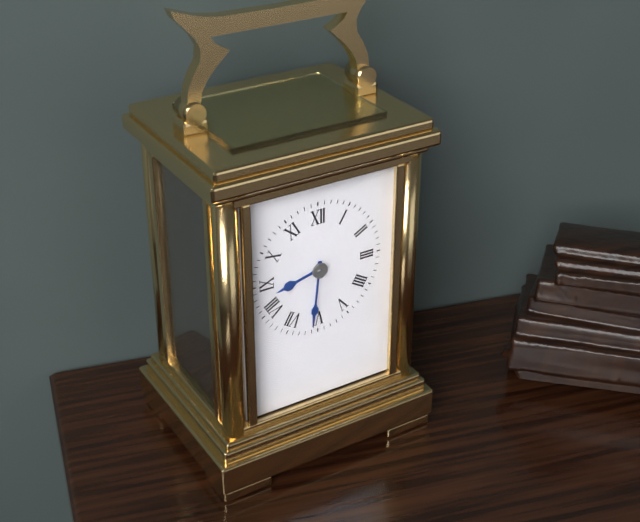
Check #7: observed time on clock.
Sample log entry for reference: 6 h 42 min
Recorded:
8 h 31 min
